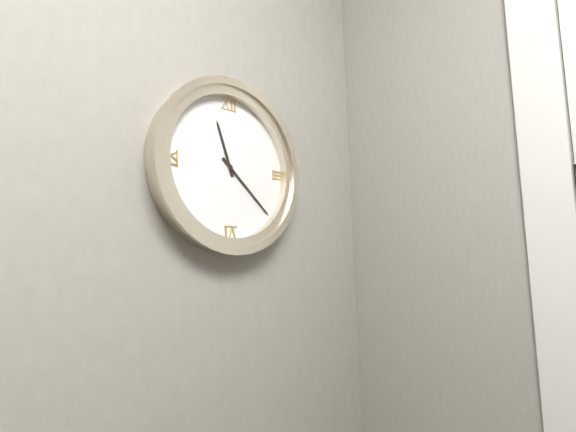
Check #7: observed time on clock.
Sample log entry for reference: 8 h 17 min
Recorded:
11 h 22 min
